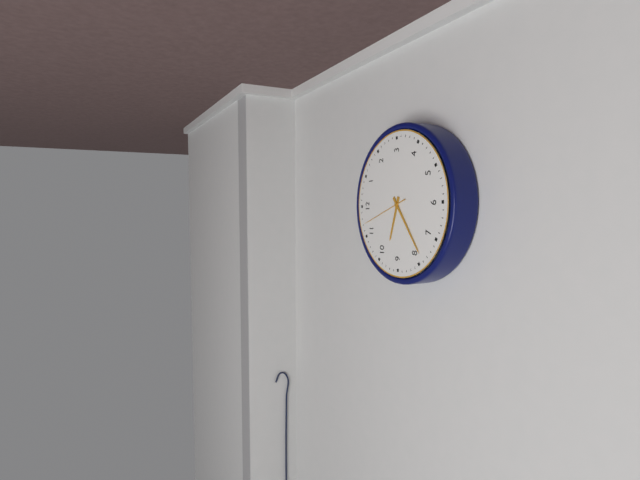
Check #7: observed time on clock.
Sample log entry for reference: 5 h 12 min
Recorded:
9 h 39 min
